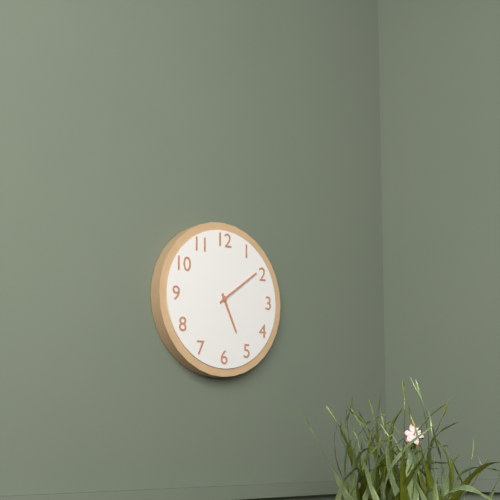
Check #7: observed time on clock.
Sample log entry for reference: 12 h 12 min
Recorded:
5 h 09 min
